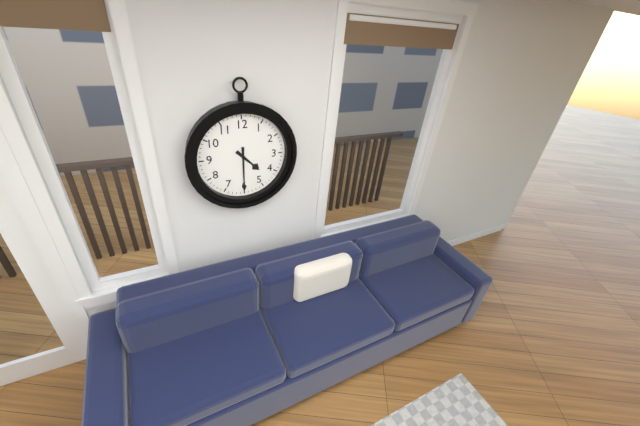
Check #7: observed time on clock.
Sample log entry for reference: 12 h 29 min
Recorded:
4 h 30 min
